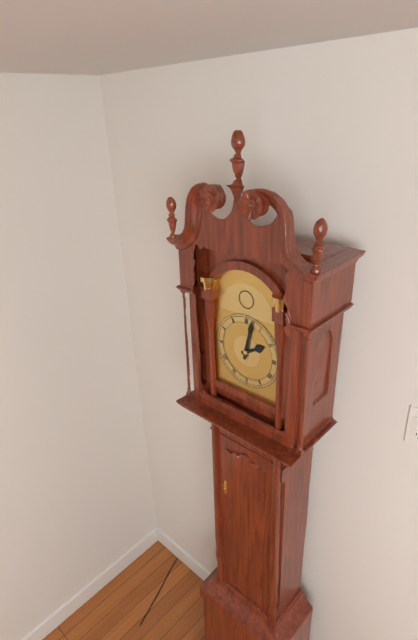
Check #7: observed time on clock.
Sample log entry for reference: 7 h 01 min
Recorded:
2 h 02 min
